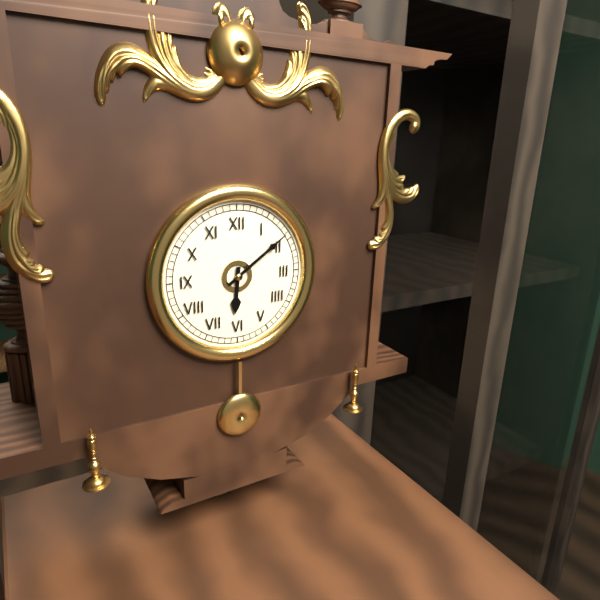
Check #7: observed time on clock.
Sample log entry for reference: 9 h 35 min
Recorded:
6 h 09 min
